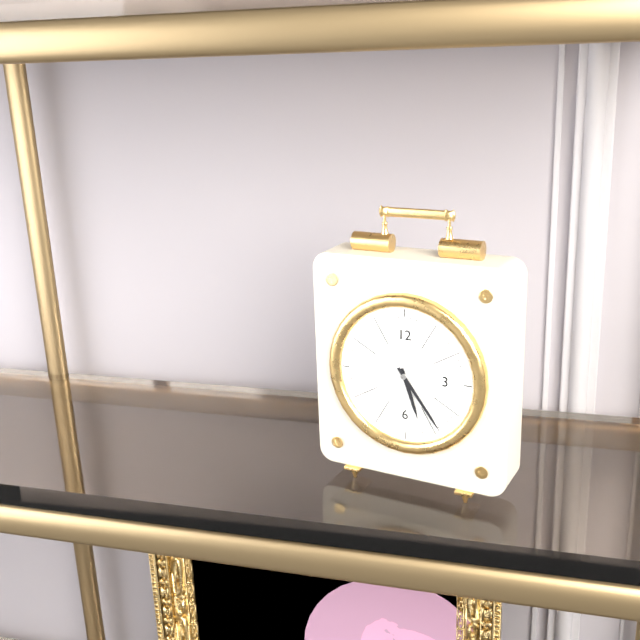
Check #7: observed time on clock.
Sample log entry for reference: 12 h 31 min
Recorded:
5 h 24 min
